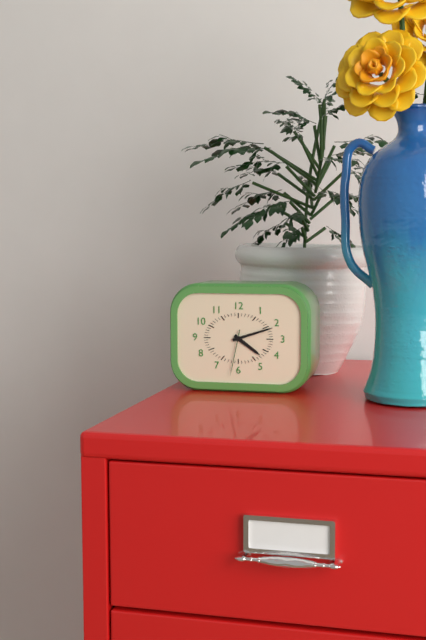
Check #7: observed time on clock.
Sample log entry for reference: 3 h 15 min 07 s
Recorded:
4 h 12 min 32 s
